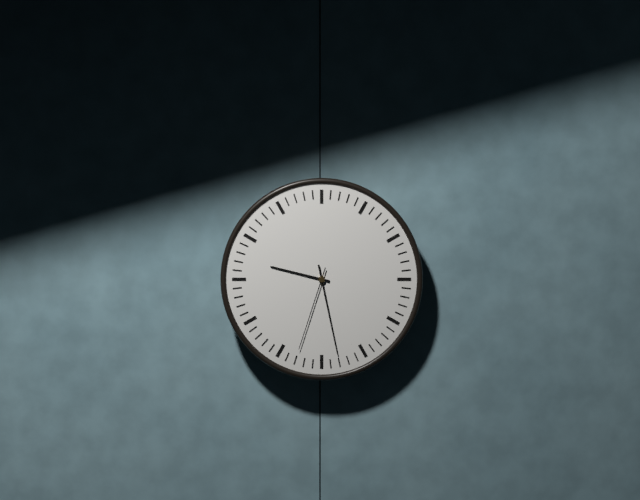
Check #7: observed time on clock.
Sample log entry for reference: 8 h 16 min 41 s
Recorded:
9 h 28 min 33 s
